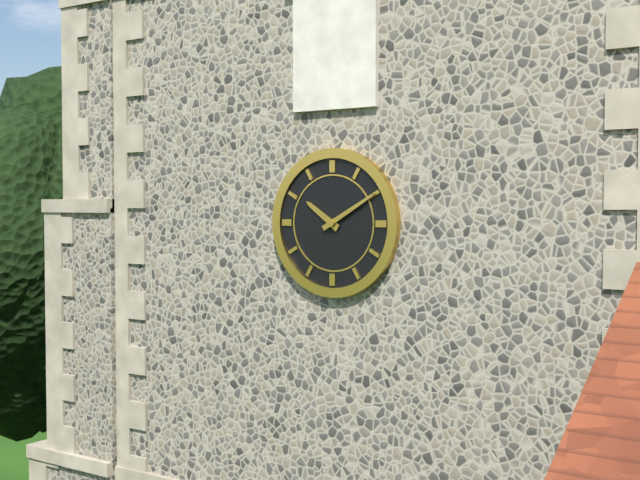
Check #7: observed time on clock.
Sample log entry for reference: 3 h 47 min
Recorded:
10 h 10 min
